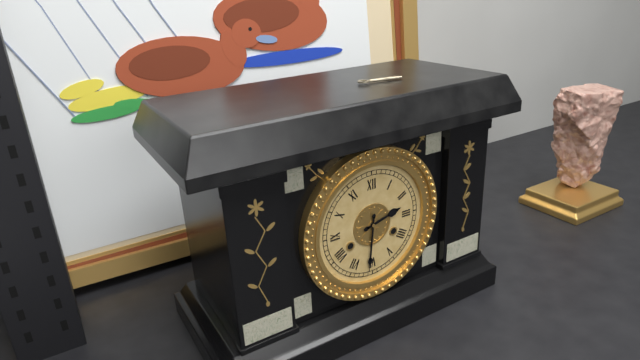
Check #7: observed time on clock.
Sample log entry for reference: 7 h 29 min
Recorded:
2 h 31 min
